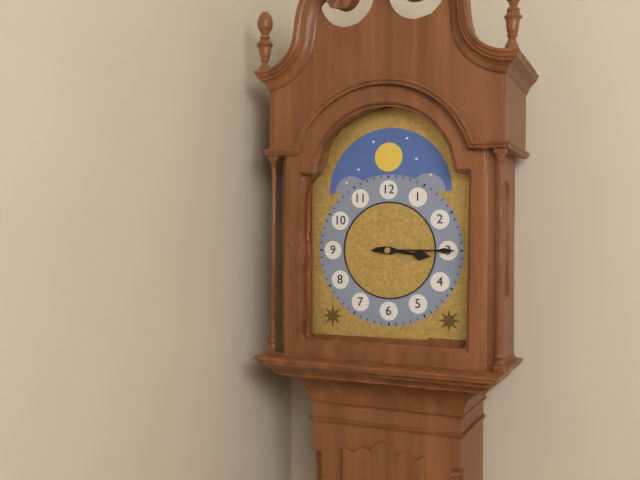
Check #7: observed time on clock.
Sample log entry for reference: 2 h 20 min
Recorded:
3 h 15 min
